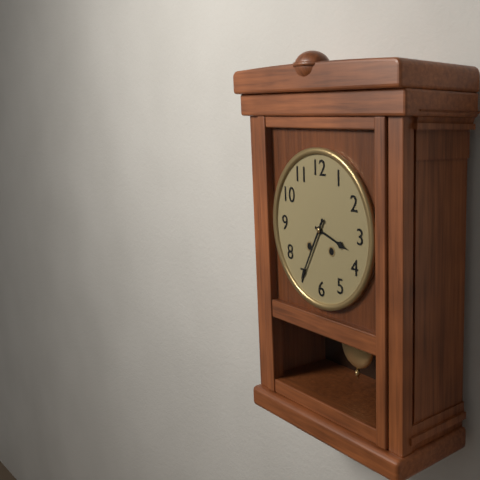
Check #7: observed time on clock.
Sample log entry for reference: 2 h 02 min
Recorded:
3 h 35 min
